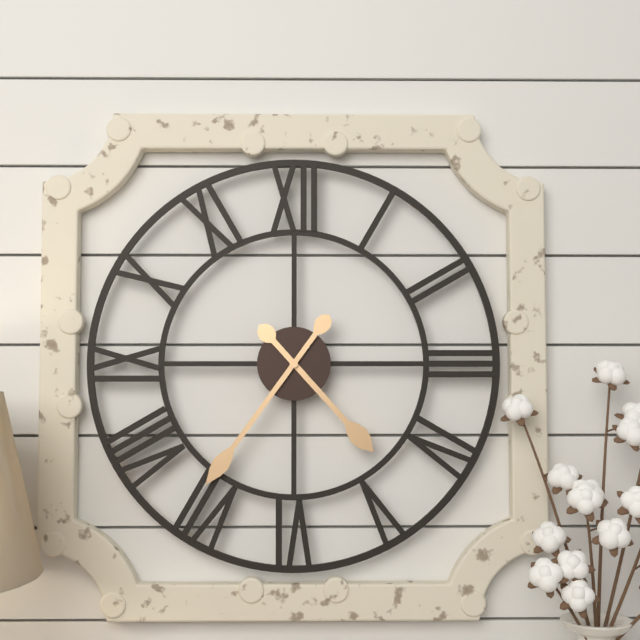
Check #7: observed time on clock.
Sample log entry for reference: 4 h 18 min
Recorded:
4 h 36 min
